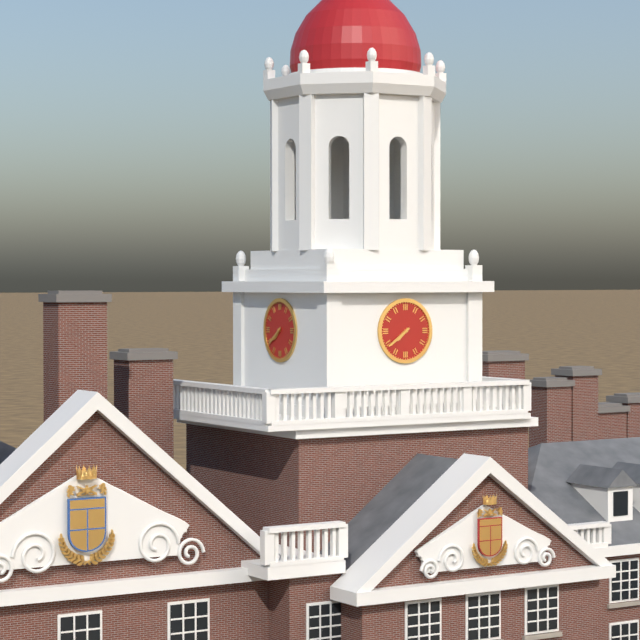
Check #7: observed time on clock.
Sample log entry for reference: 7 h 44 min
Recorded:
7 h 39 min
